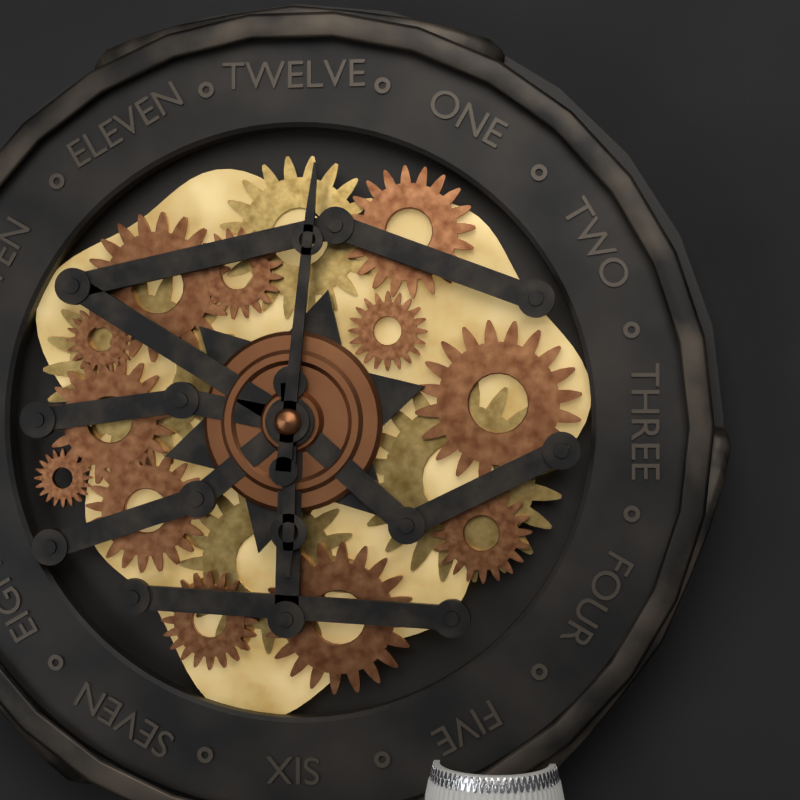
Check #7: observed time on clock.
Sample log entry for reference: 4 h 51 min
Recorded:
6 h 01 min
